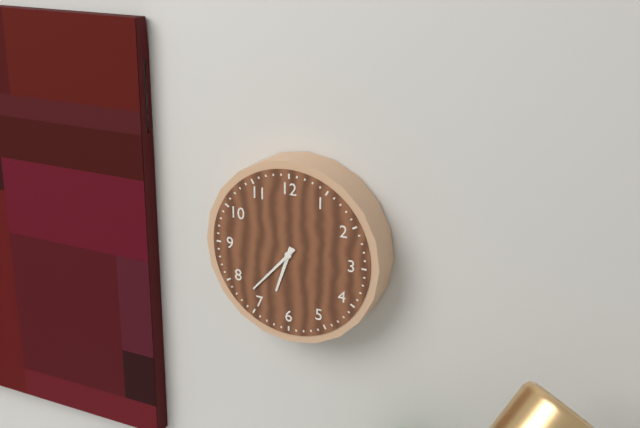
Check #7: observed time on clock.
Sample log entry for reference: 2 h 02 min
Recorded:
6 h 37 min
